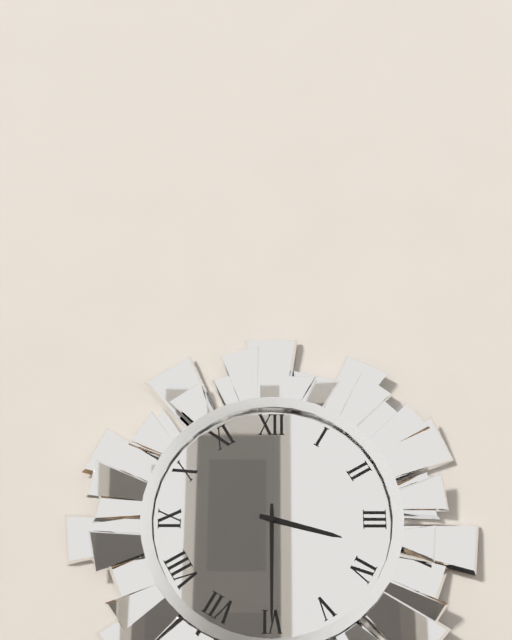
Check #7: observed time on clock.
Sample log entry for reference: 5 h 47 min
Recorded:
3 h 30 min
